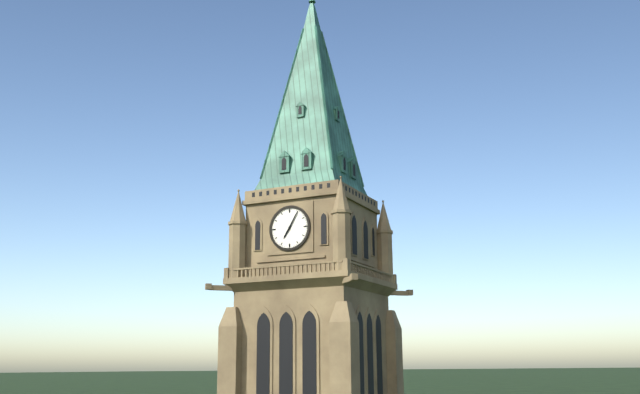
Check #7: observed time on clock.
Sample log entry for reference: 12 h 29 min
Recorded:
7 h 05 min
